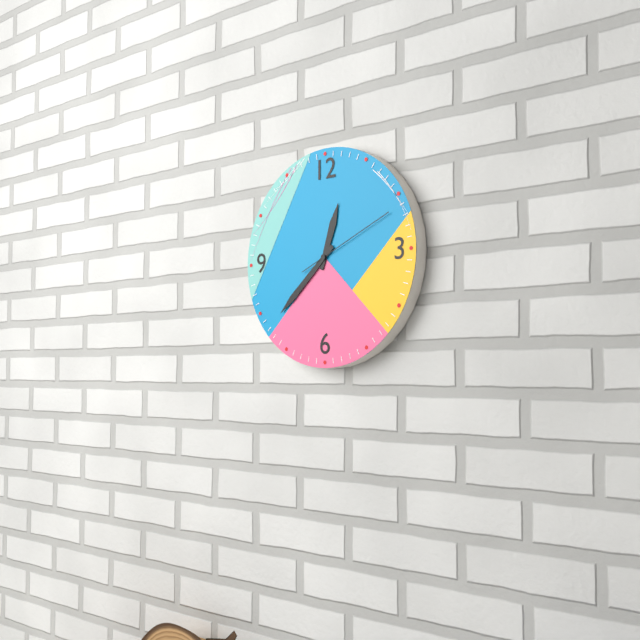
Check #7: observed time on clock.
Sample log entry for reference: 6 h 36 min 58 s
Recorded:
12 h 38 min 11 s
